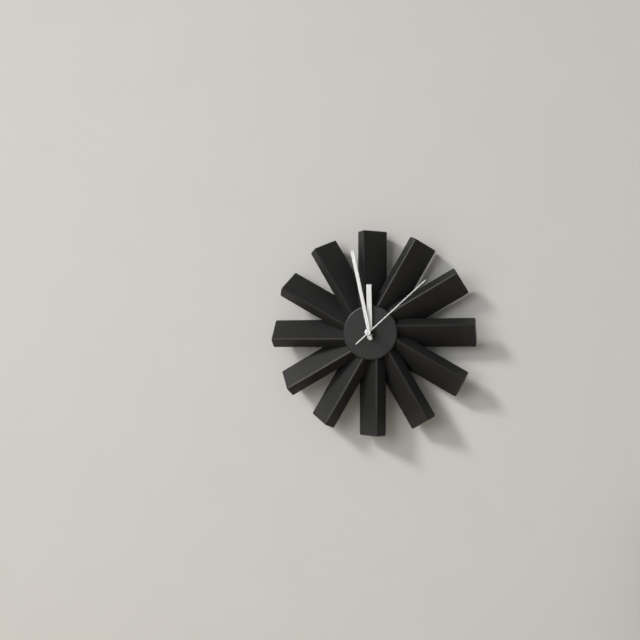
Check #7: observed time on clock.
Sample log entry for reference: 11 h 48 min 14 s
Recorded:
11 h 58 min 08 s
